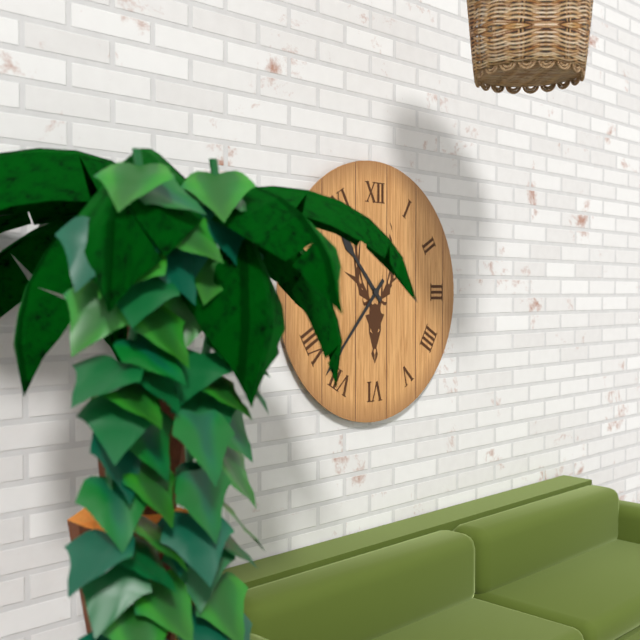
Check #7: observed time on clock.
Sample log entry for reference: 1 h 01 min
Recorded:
10 h 37 min
